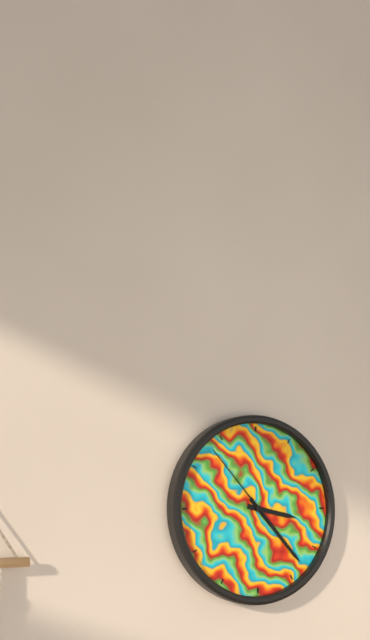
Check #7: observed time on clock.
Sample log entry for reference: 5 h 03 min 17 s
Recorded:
3 h 23 min 53 s
